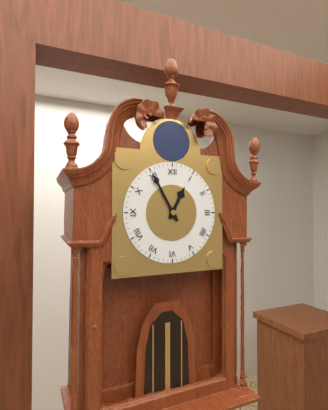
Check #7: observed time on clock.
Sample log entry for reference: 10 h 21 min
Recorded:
12 h 55 min
